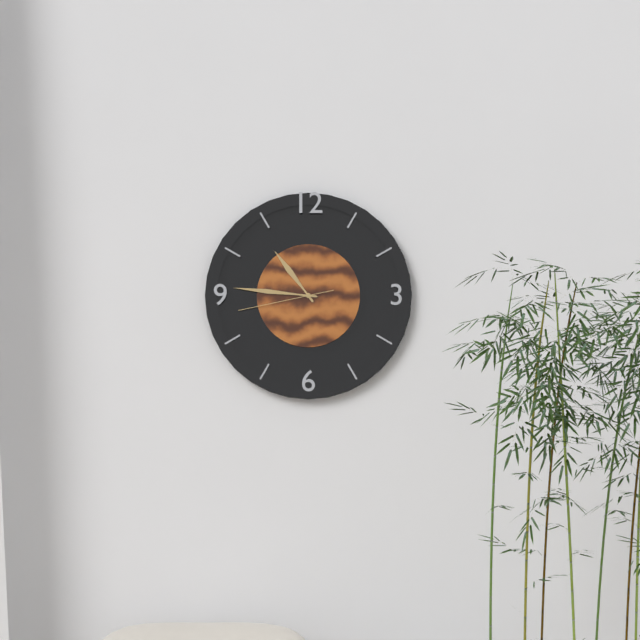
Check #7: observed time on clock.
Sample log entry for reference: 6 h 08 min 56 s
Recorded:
10 h 46 min 43 s
